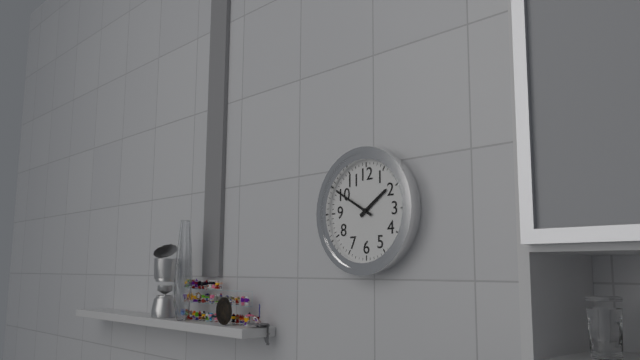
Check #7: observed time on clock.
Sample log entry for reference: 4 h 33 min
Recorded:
1 h 50 min
